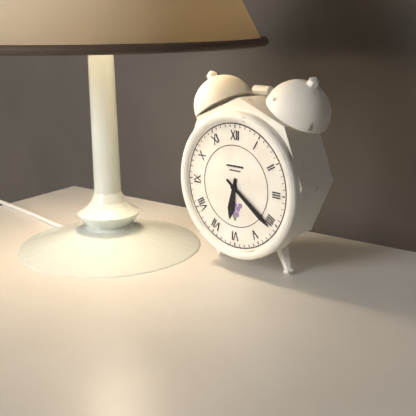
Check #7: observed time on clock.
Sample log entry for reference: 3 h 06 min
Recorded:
6 h 21 min
